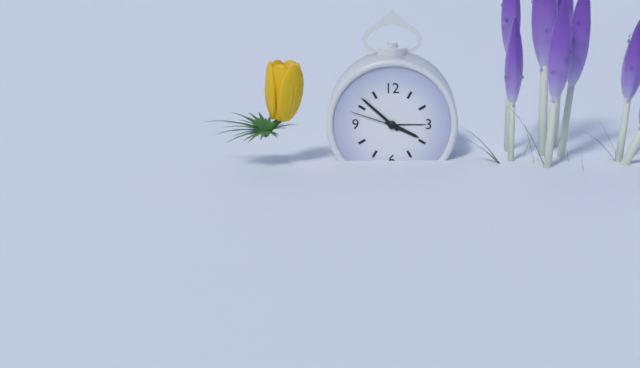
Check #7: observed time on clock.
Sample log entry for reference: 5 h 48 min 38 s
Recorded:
3 h 52 min 48 s
